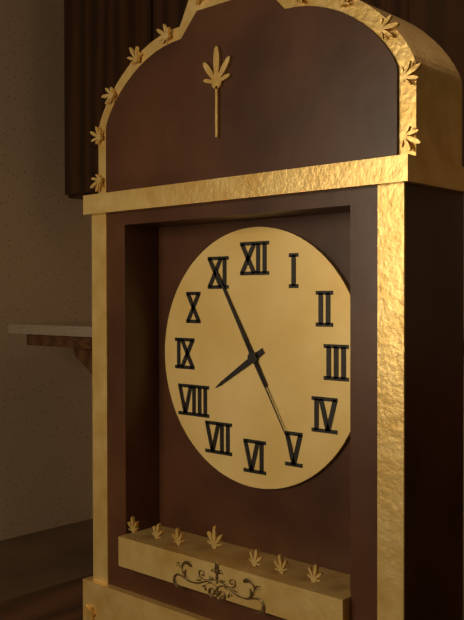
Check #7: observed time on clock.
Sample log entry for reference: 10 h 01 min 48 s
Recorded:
7 h 55 min 25 s
